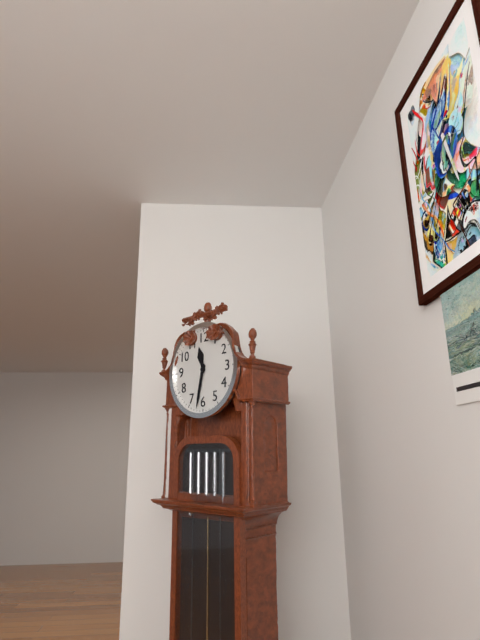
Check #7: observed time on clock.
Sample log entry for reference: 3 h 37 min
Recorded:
11 h 32 min
